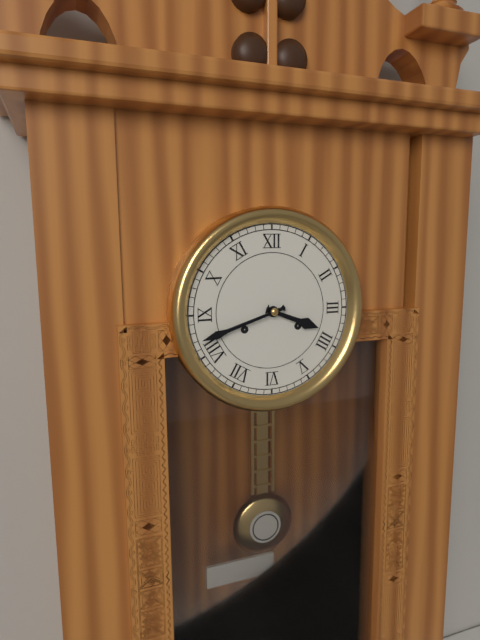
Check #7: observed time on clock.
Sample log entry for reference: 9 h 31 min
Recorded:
3 h 42 min
